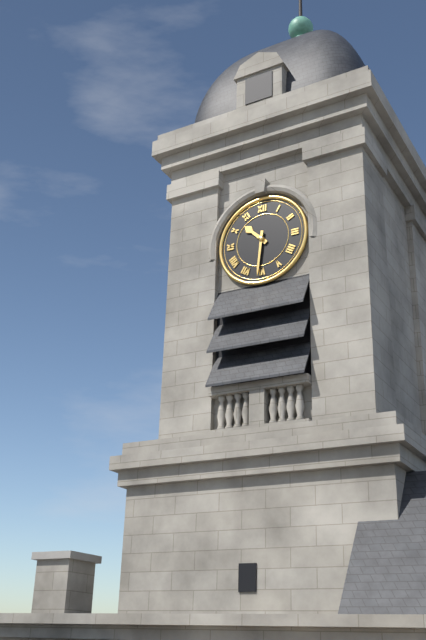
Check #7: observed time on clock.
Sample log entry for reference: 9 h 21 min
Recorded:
10 h 31 min
